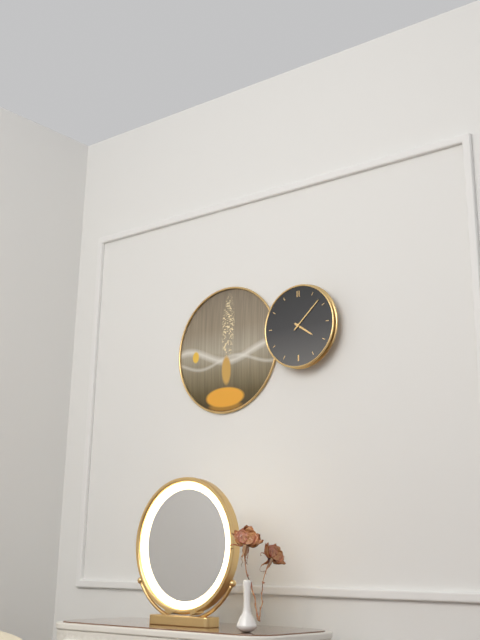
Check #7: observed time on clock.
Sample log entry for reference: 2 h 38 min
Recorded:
4 h 08 min
